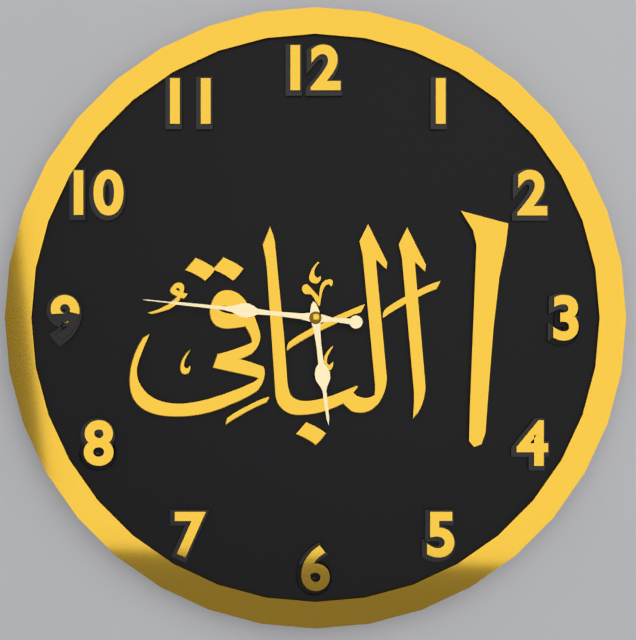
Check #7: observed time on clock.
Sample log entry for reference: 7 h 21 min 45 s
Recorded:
5 h 46 min 46 s
